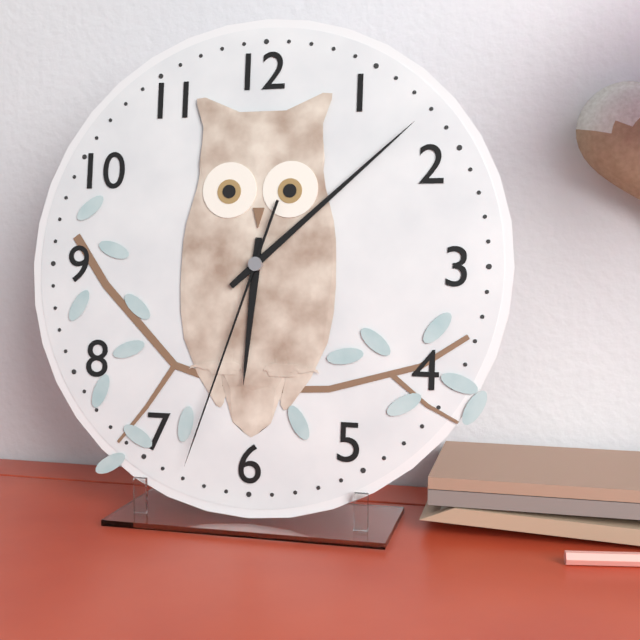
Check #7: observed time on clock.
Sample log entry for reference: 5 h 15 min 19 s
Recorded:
6 h 08 min 33 s
